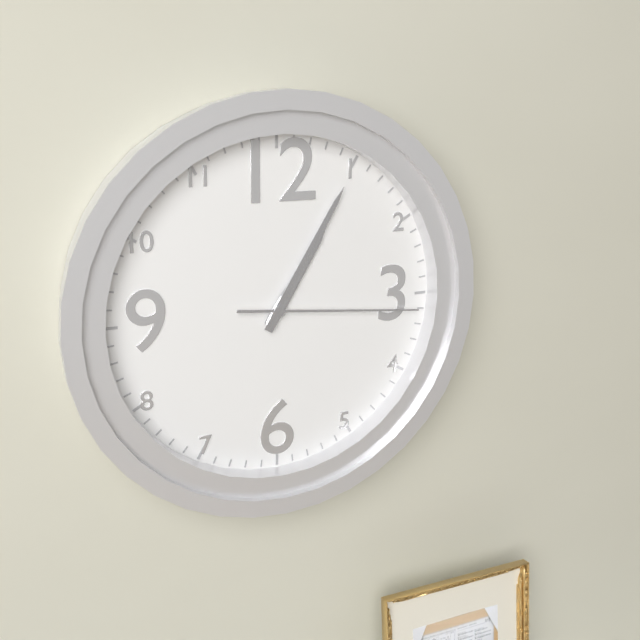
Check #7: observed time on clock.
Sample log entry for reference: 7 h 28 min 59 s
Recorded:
1 h 05 min 16 s
